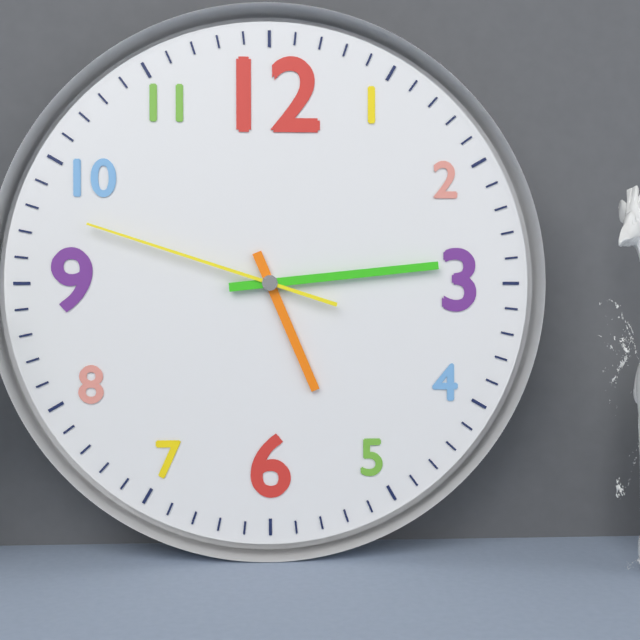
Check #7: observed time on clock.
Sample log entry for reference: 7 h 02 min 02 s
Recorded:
5 h 14 min 48 s
